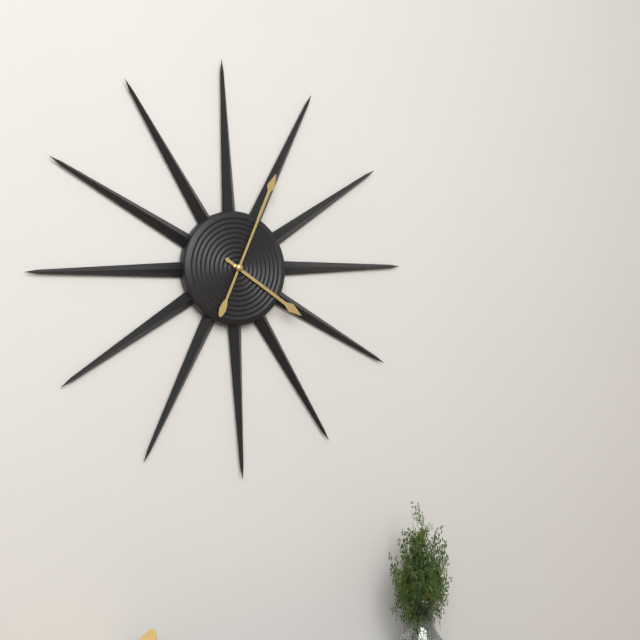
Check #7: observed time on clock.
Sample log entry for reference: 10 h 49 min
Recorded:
4 h 04 min
